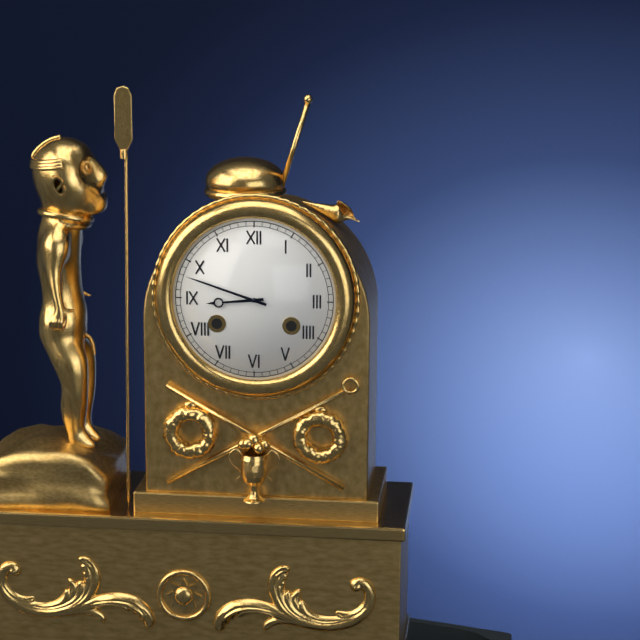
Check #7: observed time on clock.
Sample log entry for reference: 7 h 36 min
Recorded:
8 h 48 min
